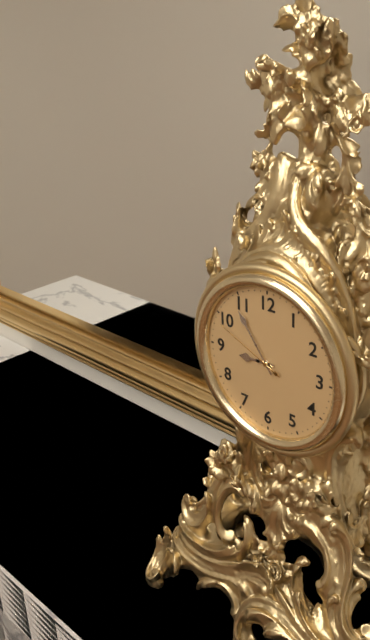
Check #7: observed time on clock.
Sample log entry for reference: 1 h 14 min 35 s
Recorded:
8 h 54 min 49 s
